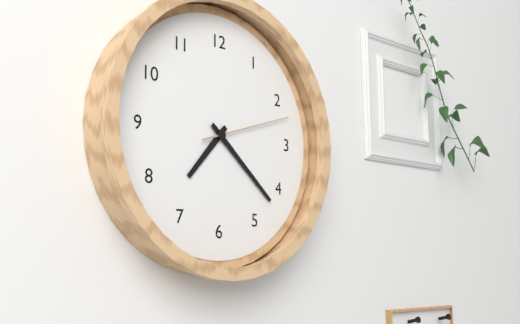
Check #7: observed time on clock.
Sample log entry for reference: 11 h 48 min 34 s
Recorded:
7 h 22 min 12 s
